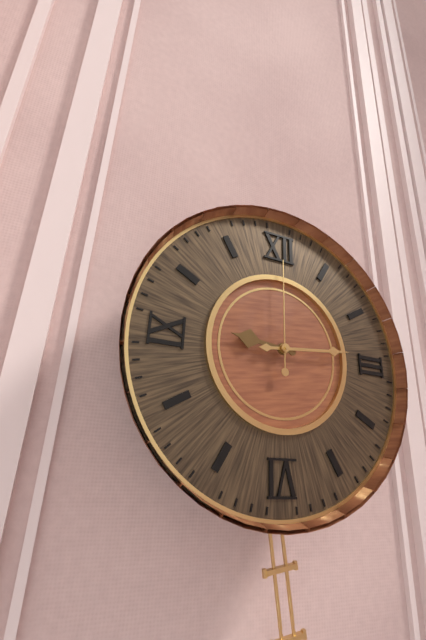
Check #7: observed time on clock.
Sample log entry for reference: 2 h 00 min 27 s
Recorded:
9 h 14 min 00 s
